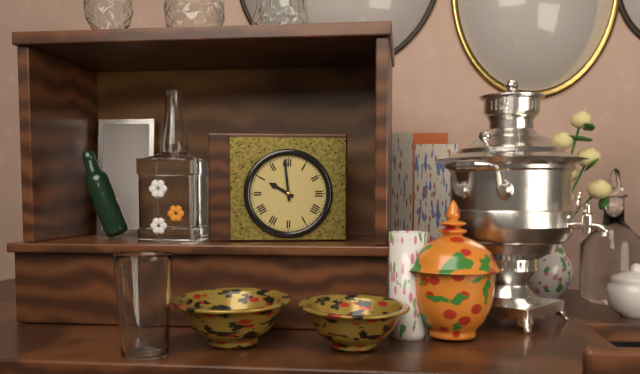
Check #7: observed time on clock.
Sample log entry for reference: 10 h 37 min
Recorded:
9 h 59 min
